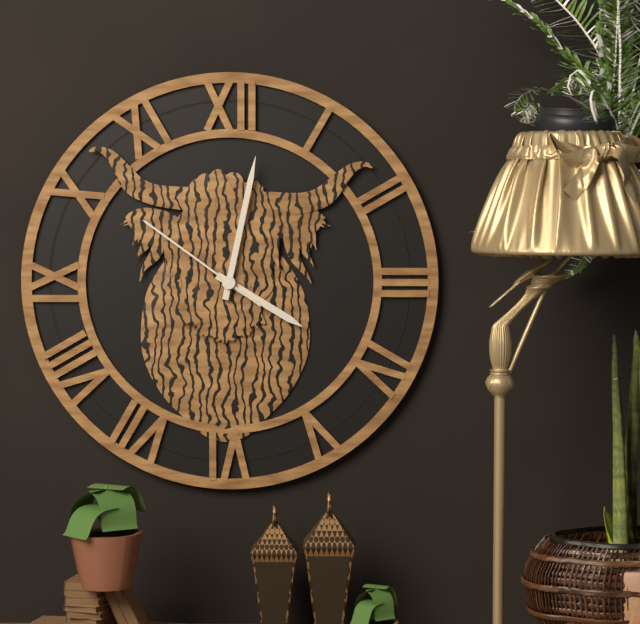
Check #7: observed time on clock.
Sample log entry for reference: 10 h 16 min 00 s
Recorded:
4 h 02 min 51 s
